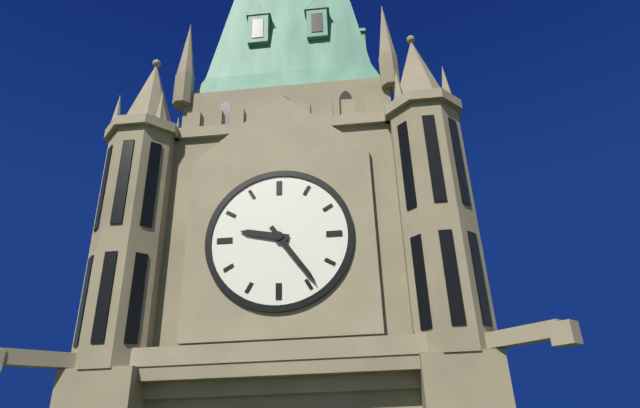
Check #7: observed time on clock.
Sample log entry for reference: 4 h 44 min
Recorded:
9 h 24 min
